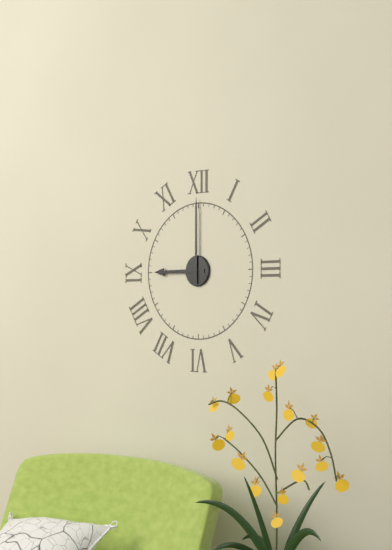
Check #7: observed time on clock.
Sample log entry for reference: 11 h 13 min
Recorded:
9 h 00 min
